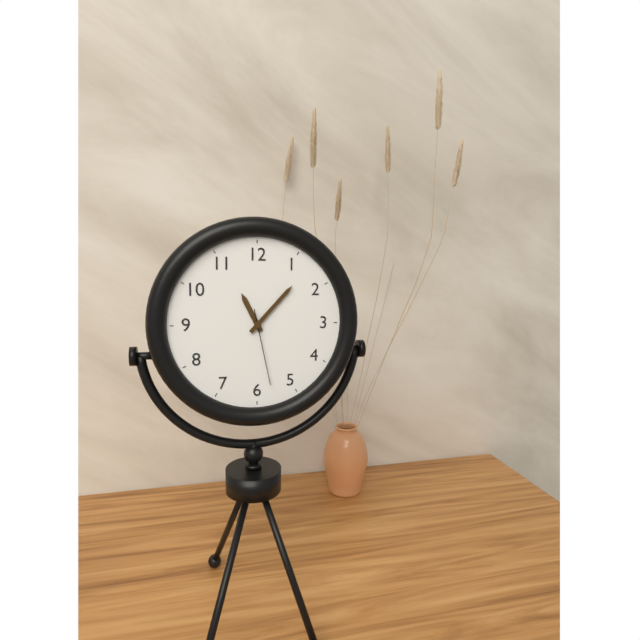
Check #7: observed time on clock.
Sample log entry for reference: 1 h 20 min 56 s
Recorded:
11 h 07 min 28 s
